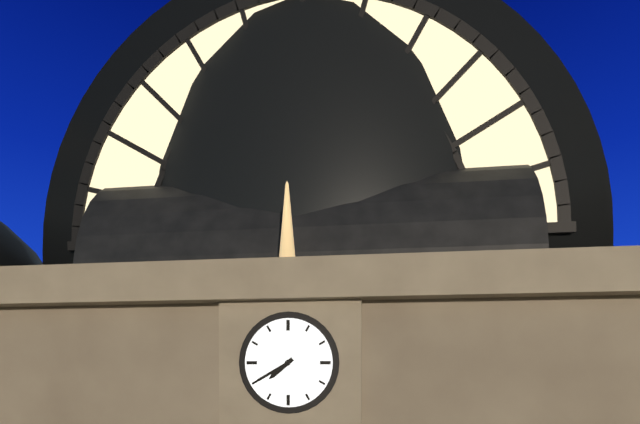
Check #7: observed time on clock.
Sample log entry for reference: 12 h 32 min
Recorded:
7 h 40 min
